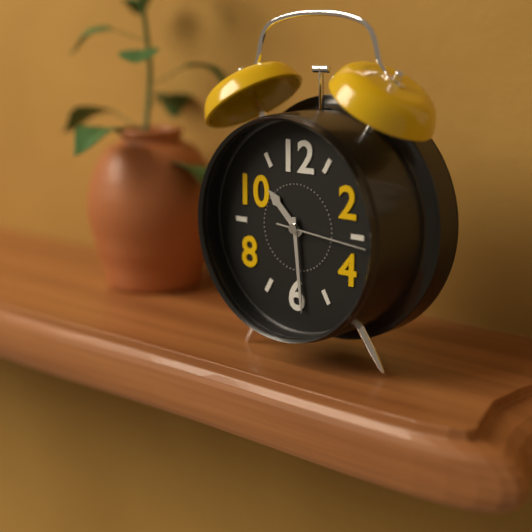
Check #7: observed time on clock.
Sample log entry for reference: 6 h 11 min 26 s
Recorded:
10 h 29 min 16 s
